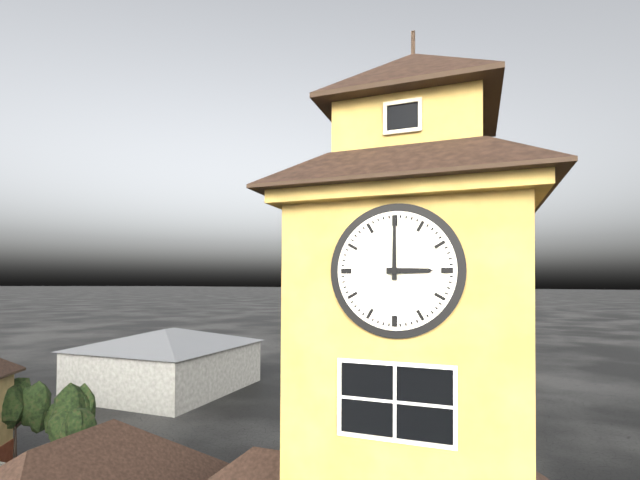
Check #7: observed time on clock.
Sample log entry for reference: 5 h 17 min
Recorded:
3 h 00 min
